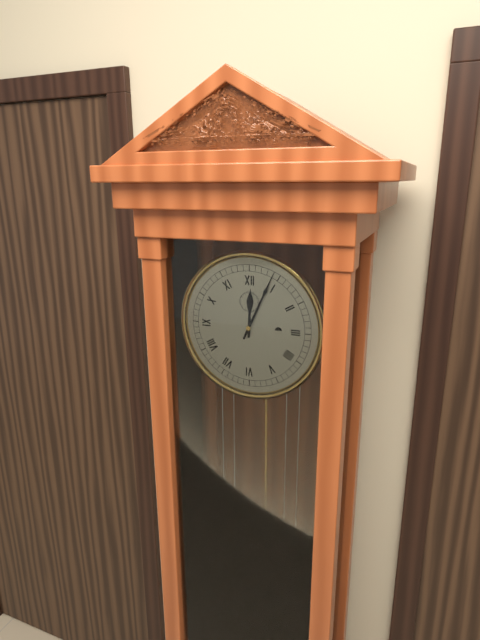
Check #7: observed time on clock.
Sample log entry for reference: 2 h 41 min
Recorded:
12 h 04 min
